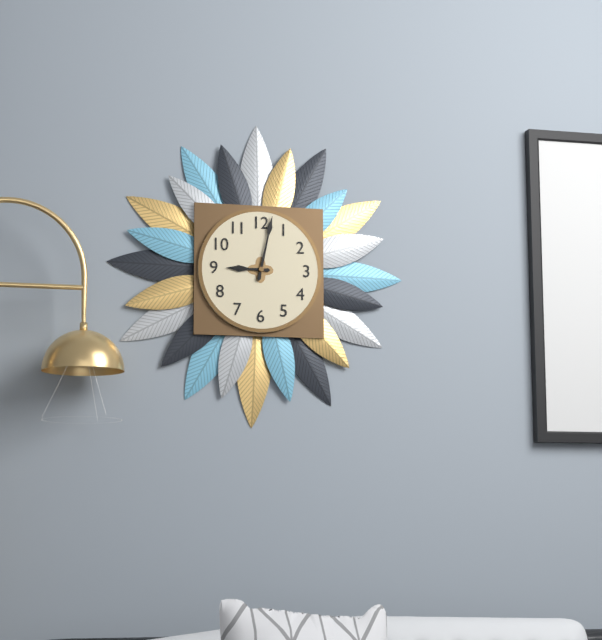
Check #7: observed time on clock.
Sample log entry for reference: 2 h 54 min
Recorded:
9 h 02 min
